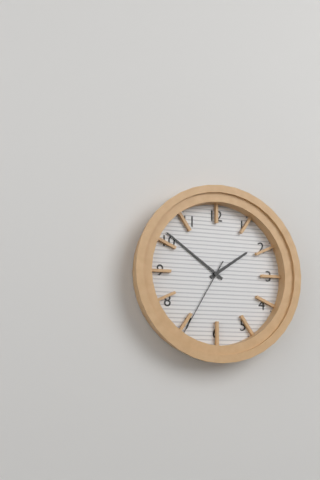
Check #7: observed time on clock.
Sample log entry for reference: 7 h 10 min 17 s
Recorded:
1 h 51 min 35 s
